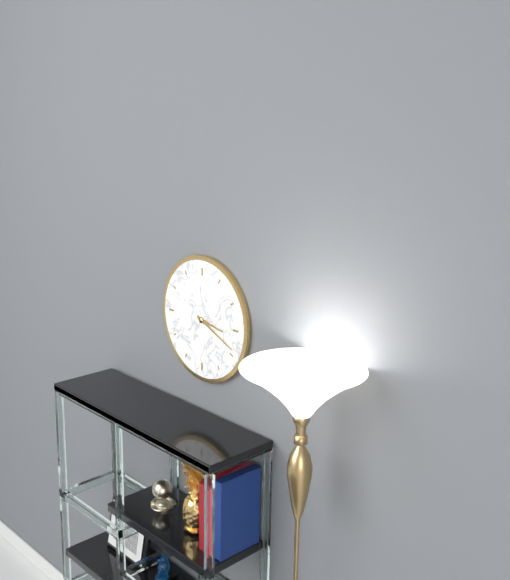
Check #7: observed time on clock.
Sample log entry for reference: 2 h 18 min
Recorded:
3 h 19 min
